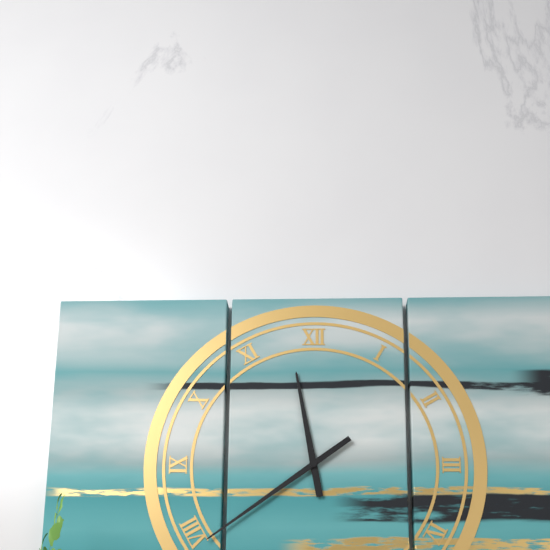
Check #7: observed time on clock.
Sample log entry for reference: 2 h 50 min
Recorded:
11 h 39 min
